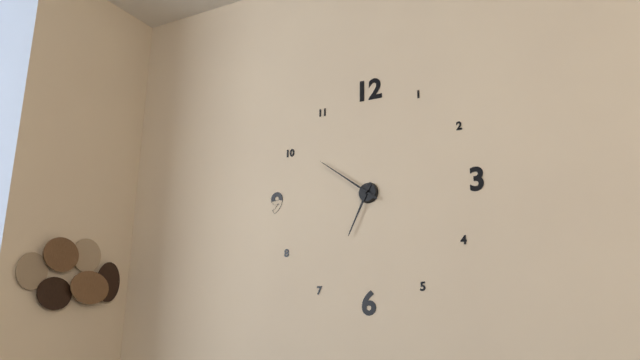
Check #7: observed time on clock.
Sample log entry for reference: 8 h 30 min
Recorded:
6 h 51 min
